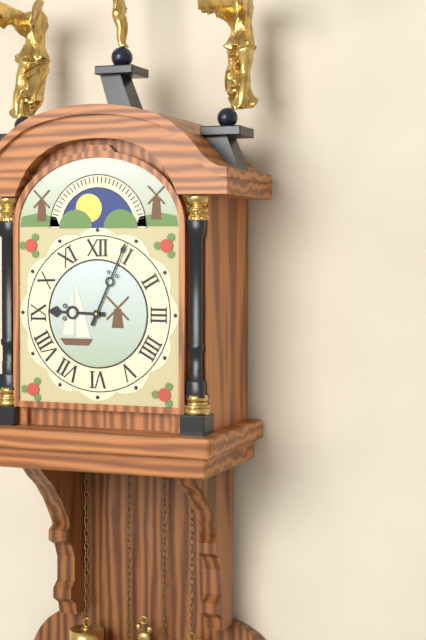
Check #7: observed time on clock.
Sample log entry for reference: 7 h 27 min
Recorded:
9 h 04 min
